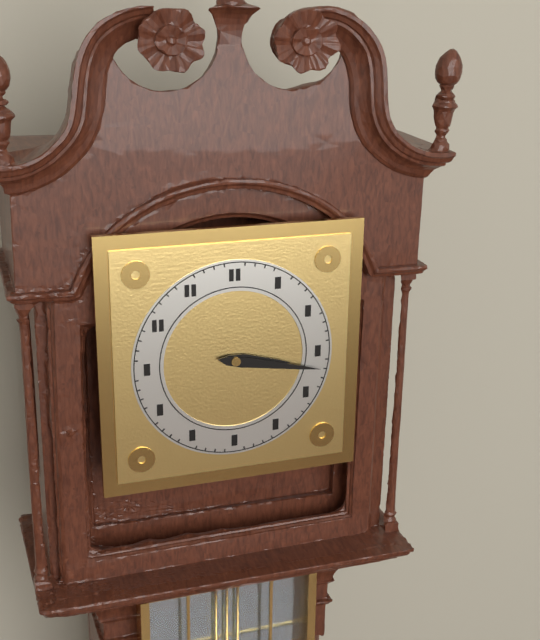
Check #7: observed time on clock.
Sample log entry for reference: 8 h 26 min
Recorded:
3 h 17 min
